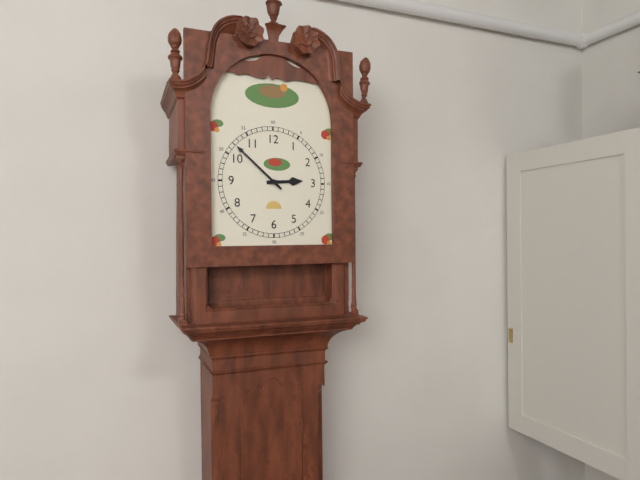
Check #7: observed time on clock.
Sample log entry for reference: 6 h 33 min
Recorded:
2 h 52 min
